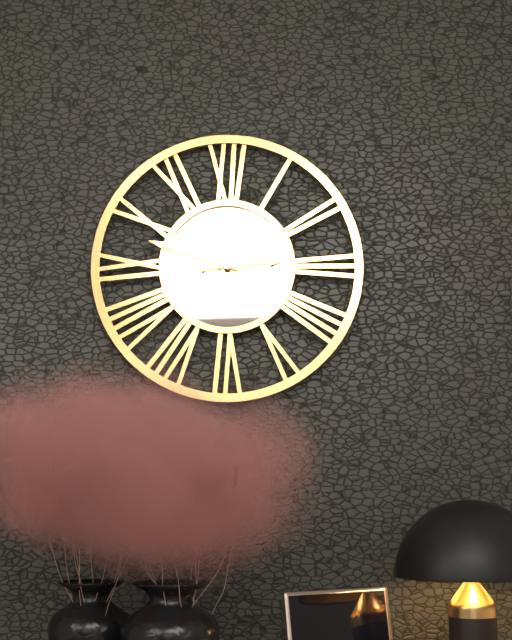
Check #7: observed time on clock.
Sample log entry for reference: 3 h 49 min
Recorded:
2 h 48 min
